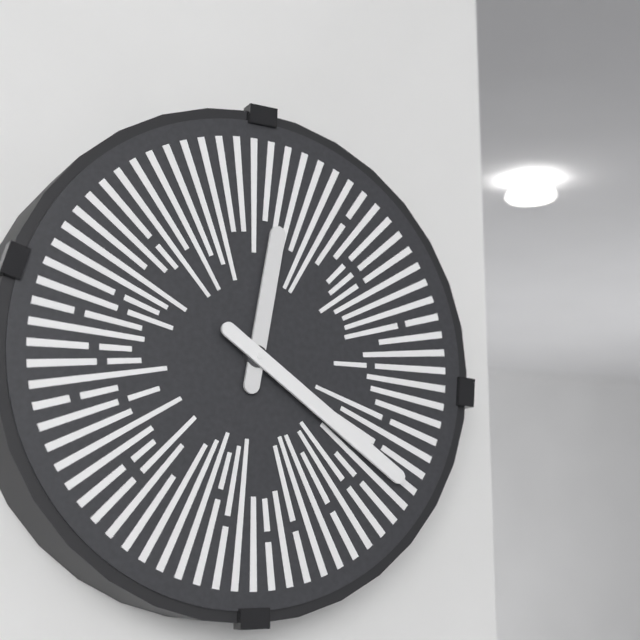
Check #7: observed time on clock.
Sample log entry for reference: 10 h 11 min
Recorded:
12 h 21 min
